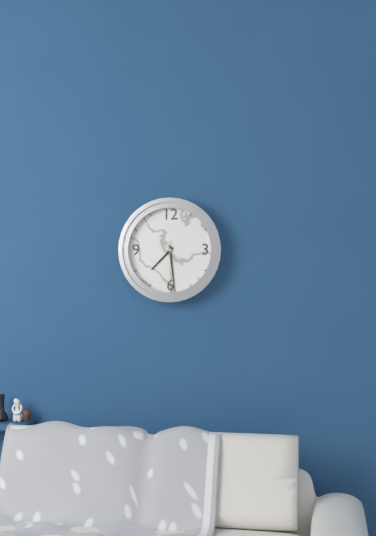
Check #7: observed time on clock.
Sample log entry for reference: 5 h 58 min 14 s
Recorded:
7 h 29 min 30 s
